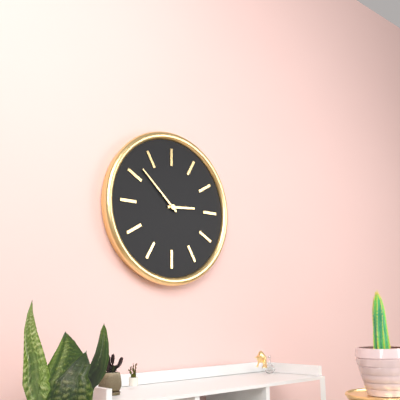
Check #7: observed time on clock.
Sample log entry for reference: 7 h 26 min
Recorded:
2 h 52 min
